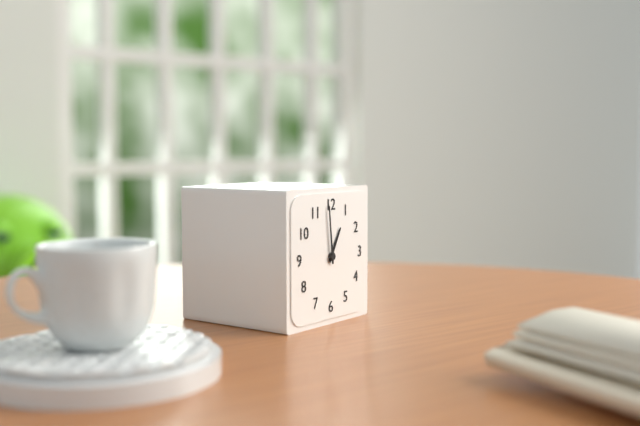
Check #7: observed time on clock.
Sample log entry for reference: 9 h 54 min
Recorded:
12 h 59 min
